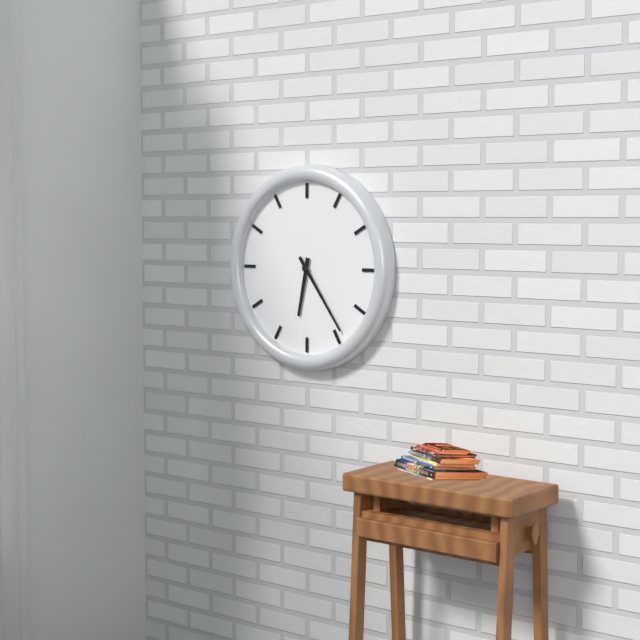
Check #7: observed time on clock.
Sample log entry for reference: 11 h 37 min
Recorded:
6 h 24 min
